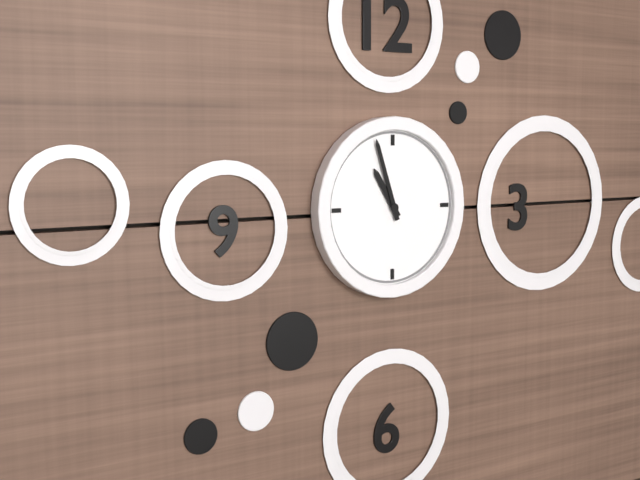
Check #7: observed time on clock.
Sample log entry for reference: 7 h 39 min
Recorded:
10 h 57 min
